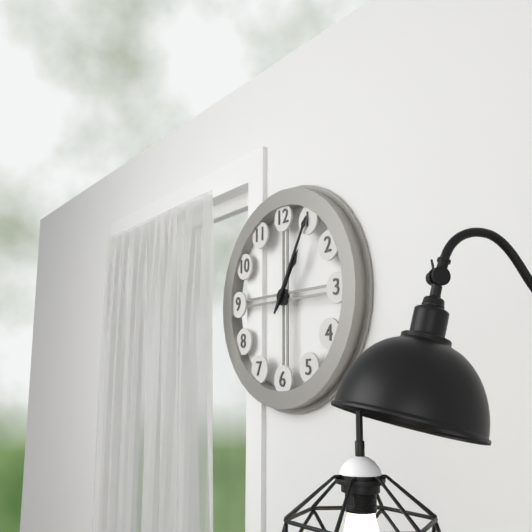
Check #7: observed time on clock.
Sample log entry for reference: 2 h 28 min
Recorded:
1 h 05 min
